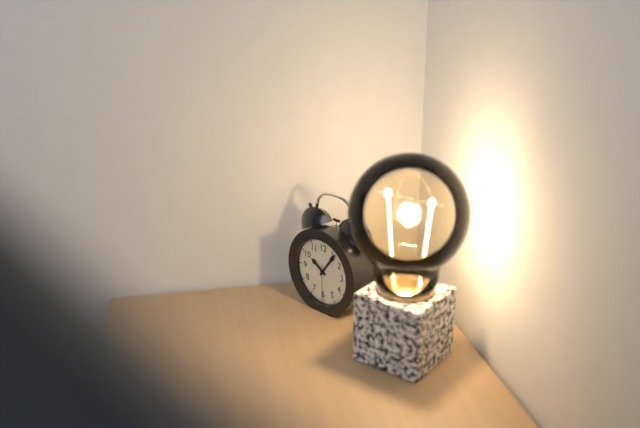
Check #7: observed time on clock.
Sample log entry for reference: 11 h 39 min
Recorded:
10 h 06 min
